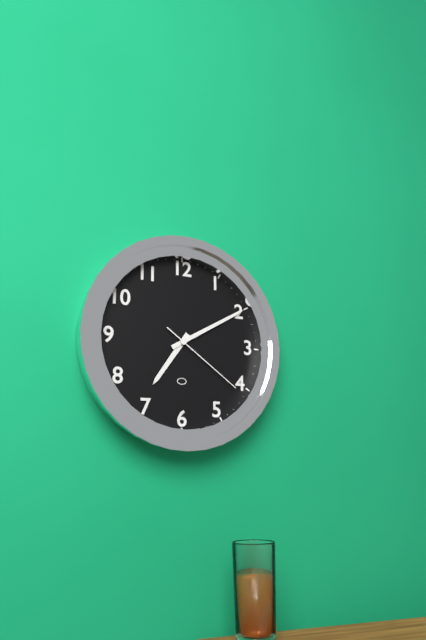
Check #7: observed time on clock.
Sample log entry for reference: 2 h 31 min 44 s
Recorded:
7 h 10 min 21 s
